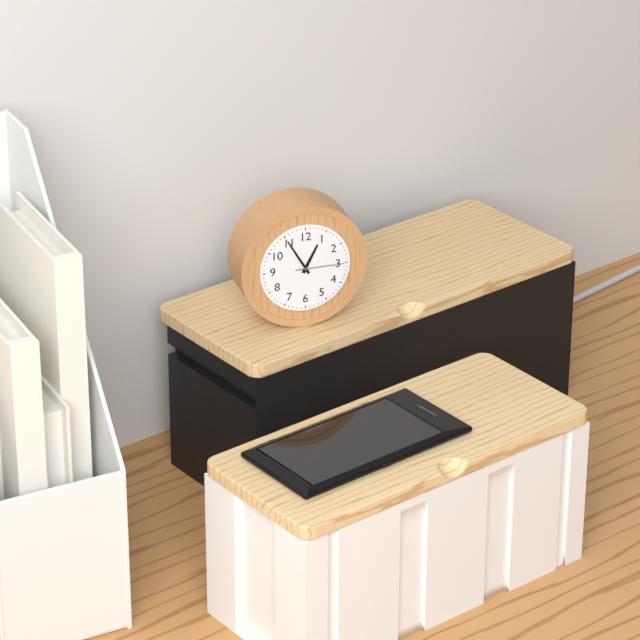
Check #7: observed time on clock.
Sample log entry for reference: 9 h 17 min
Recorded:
12 h 55 min
